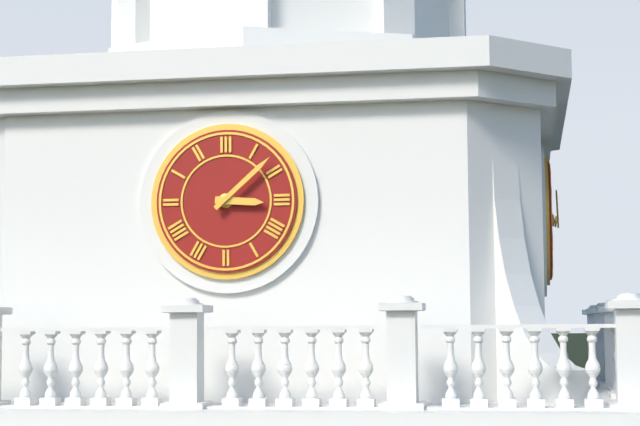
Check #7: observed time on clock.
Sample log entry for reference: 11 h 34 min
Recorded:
3 h 08 min
